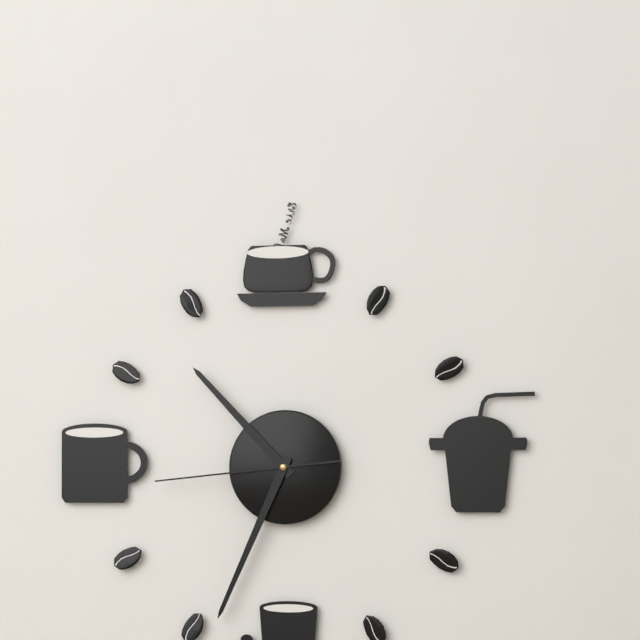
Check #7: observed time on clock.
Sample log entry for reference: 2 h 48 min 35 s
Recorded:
10 h 34 min 44 s
